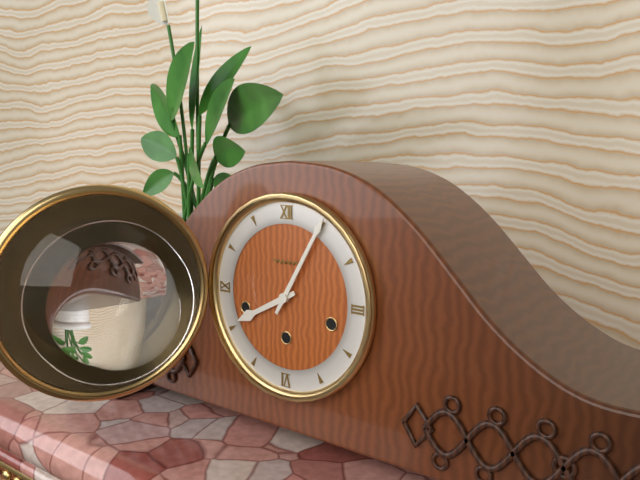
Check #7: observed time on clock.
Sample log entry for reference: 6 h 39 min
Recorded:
8 h 05 min
